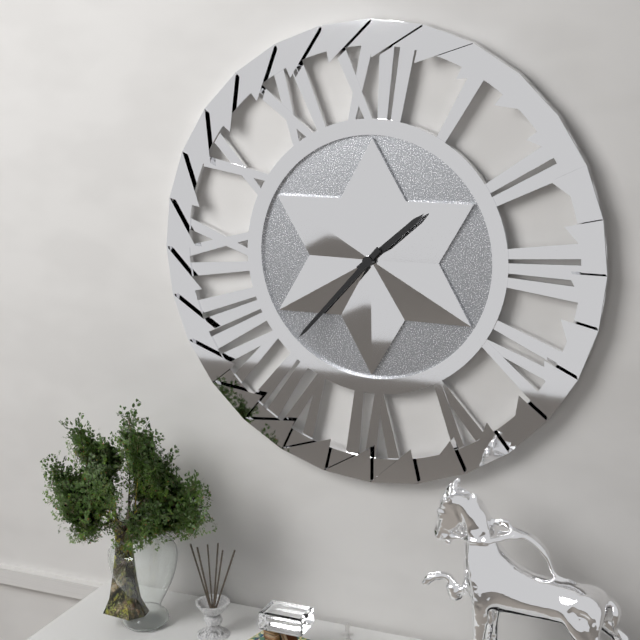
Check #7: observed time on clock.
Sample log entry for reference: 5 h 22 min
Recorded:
1 h 37 min
